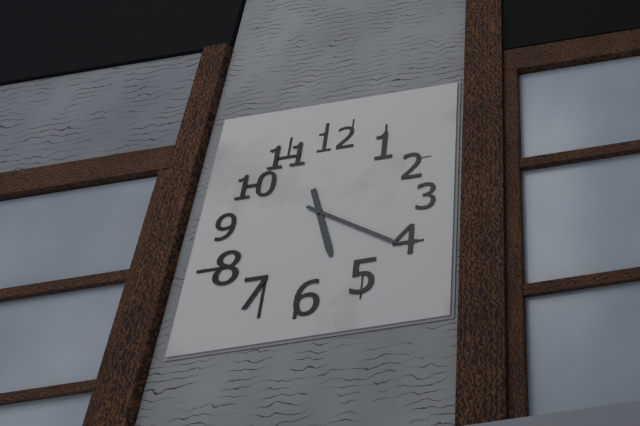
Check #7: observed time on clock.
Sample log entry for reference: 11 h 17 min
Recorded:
5 h 20 min
